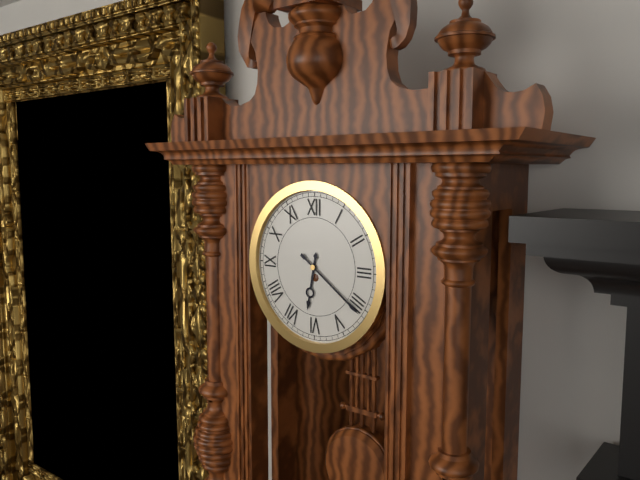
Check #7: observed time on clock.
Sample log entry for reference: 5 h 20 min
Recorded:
6 h 21 min
